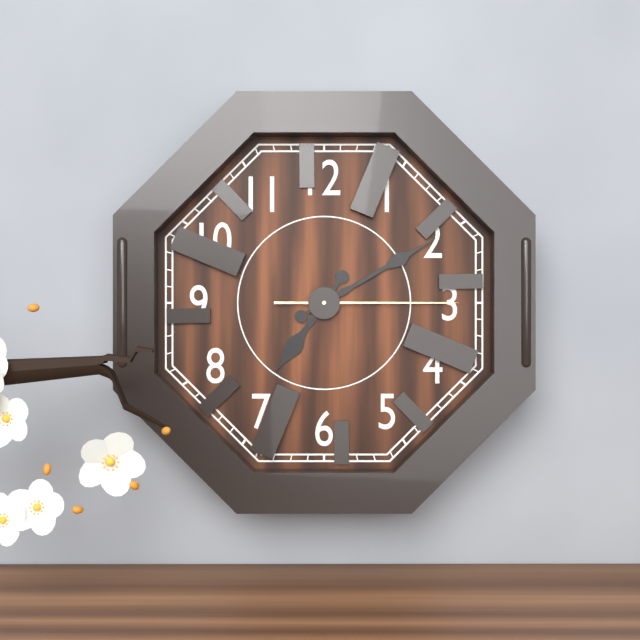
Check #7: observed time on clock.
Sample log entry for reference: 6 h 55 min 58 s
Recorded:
7 h 10 min 15 s
